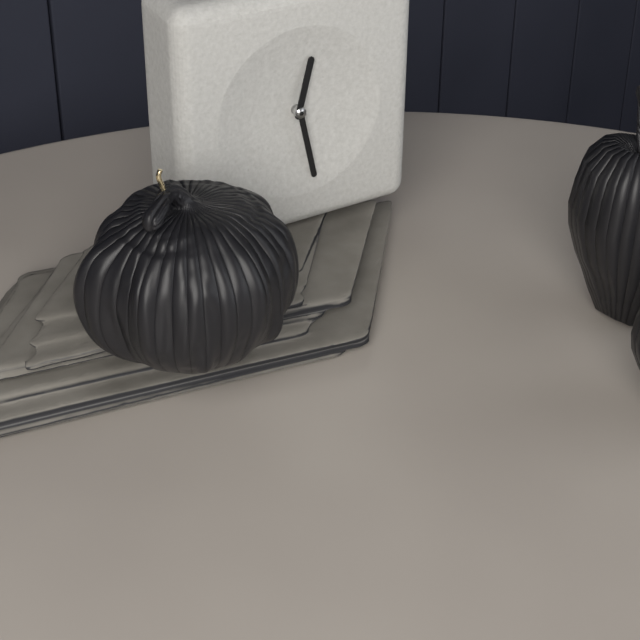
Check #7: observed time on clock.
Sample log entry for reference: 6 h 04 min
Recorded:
12 h 28 min
